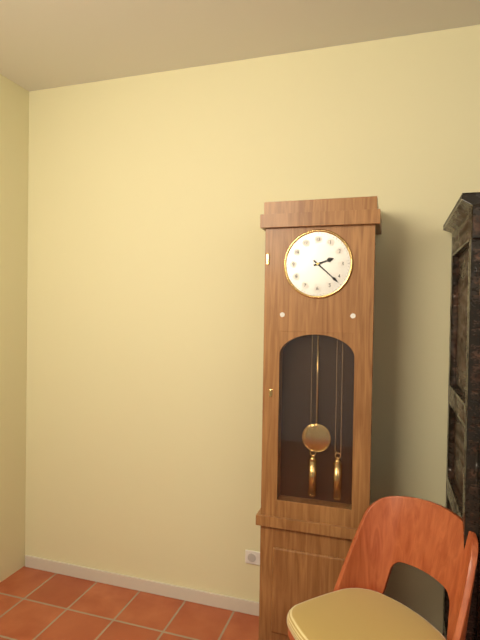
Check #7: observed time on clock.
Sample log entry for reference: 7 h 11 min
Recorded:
2 h 22 min
